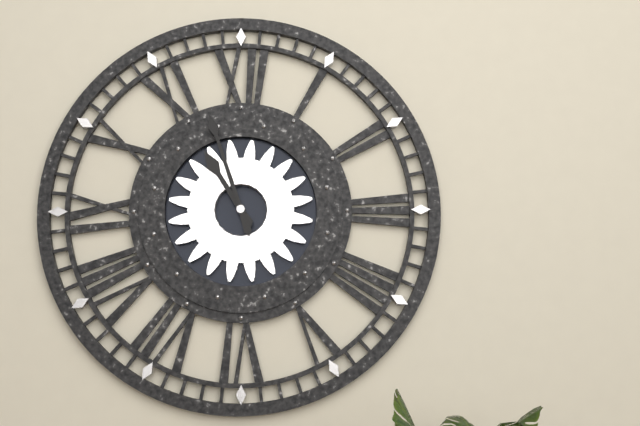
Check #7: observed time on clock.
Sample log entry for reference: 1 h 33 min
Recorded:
10 h 57 min
